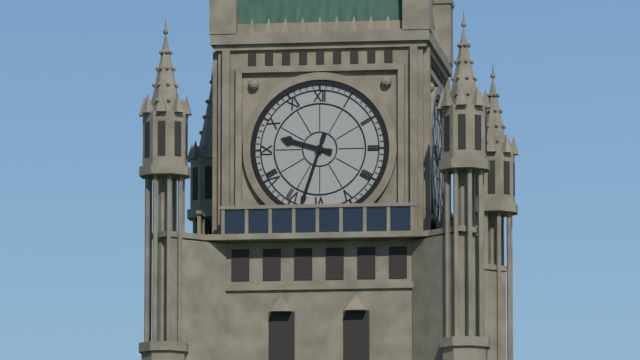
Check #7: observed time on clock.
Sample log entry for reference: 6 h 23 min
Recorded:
9 h 33 min
